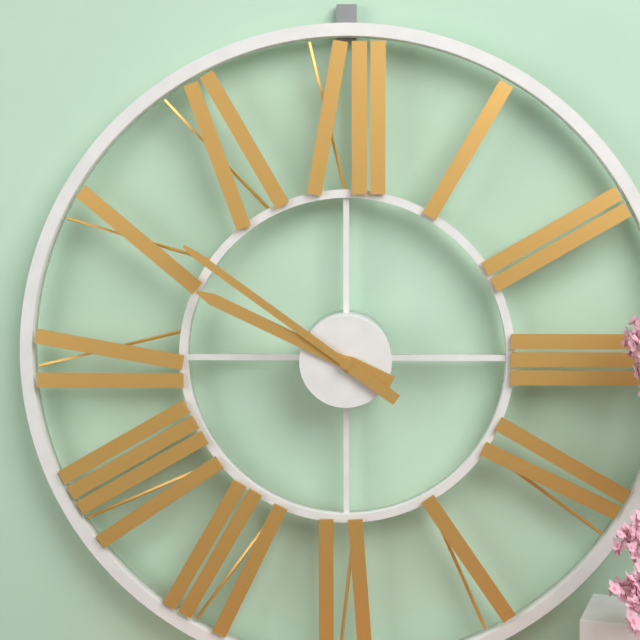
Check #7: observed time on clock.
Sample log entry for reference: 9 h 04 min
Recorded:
9 h 51 min
